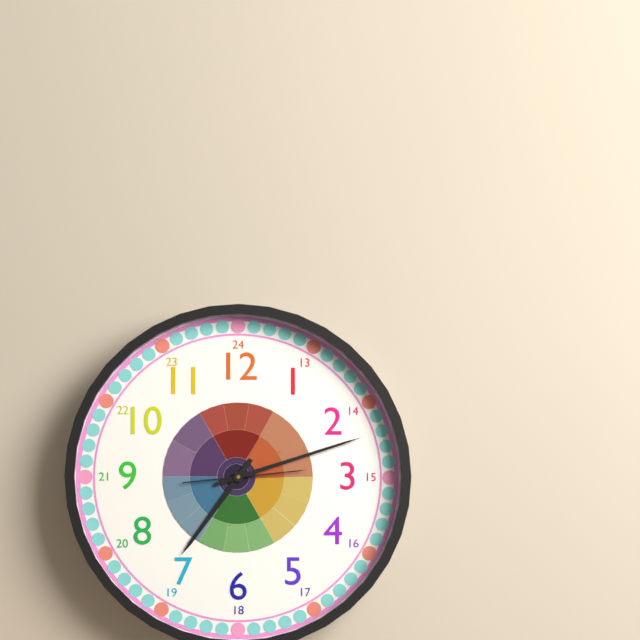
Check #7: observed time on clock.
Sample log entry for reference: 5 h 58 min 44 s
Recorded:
7 h 12 min 14 s
